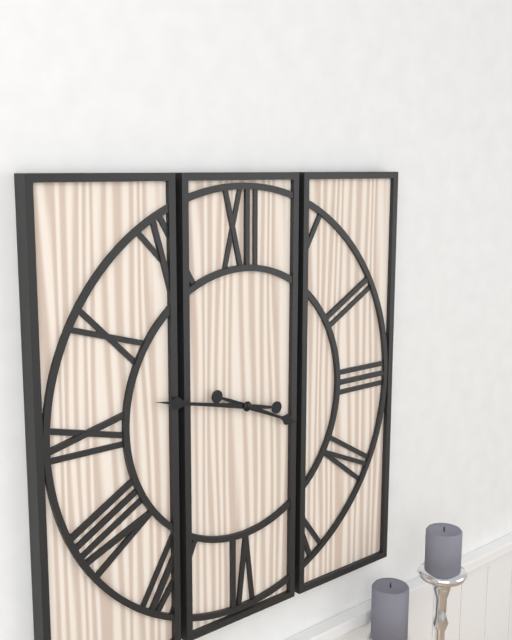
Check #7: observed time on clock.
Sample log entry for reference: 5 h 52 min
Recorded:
3 h 47 min
